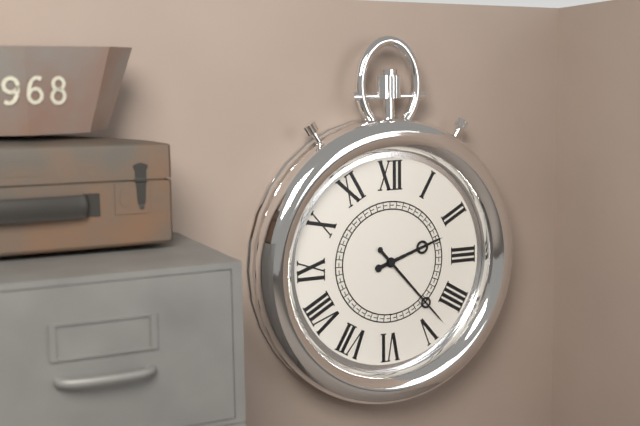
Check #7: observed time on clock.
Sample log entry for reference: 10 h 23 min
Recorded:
2 h 23 min
